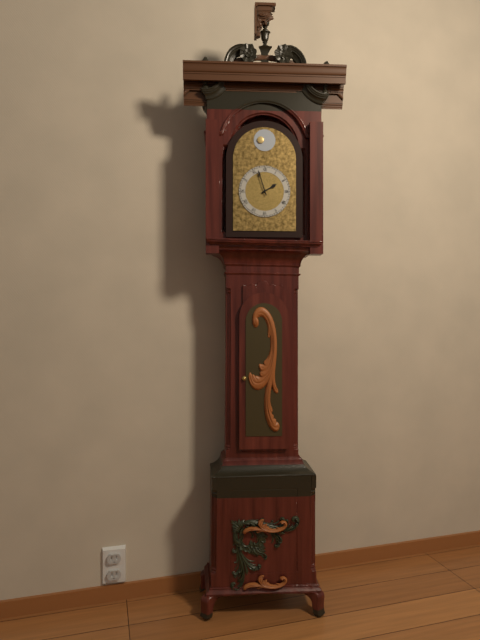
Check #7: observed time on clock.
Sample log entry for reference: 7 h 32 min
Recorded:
1 h 57 min
